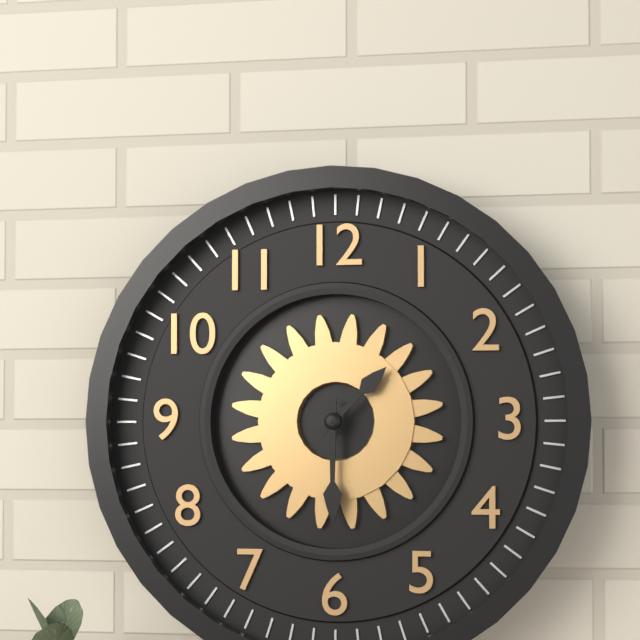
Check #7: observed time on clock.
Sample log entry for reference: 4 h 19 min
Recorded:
1 h 30 min
